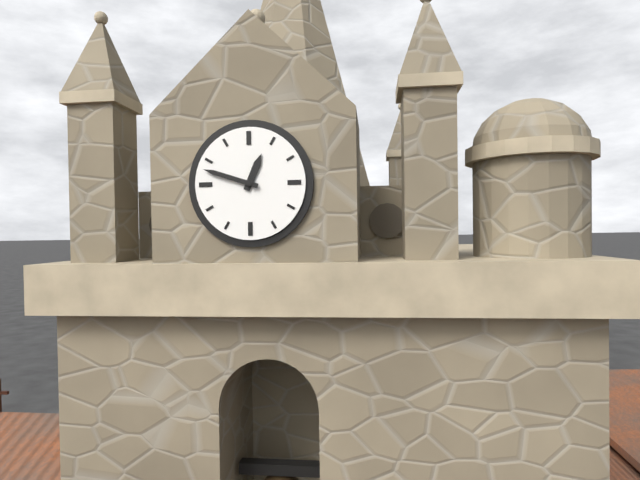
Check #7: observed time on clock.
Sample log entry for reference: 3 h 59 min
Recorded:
12 h 48 min
